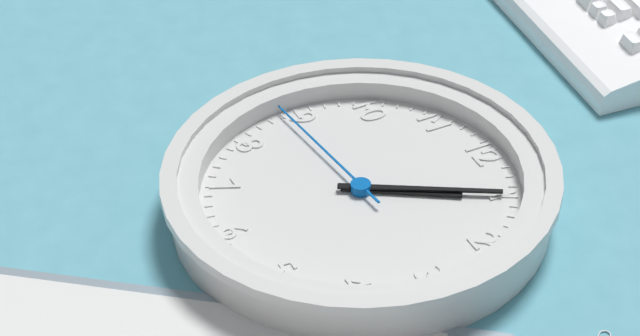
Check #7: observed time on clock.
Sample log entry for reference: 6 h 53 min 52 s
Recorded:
1 h 05 min 44 s
